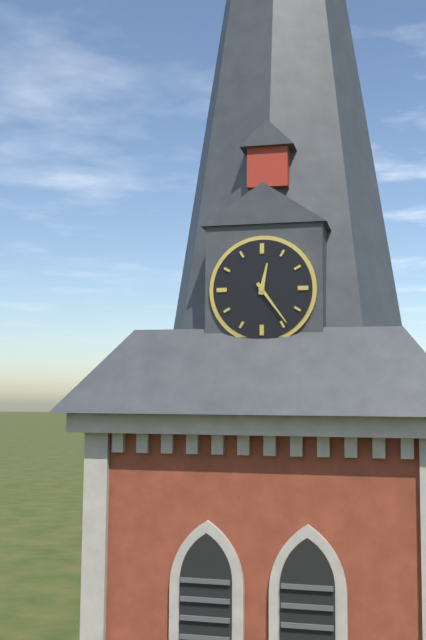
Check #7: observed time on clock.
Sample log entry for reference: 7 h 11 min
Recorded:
12 h 24 min
